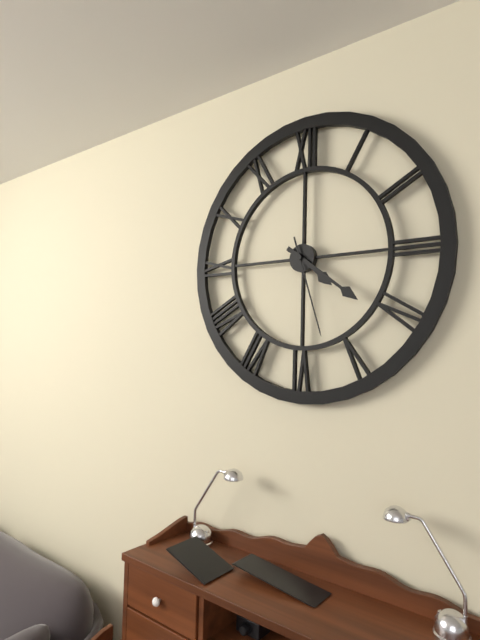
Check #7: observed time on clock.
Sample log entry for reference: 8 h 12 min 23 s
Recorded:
4 h 21 min 27 s
